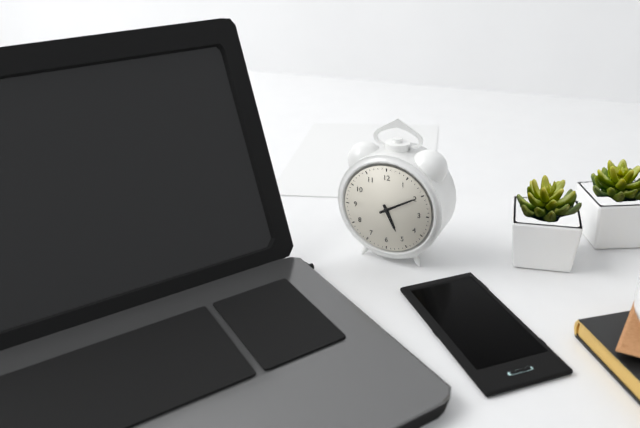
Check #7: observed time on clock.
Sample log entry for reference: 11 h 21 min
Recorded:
5 h 10 min
